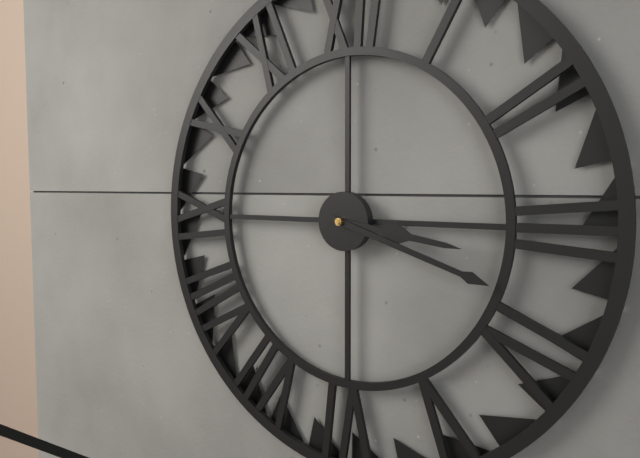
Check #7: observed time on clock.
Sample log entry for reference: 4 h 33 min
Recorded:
3 h 18 min
